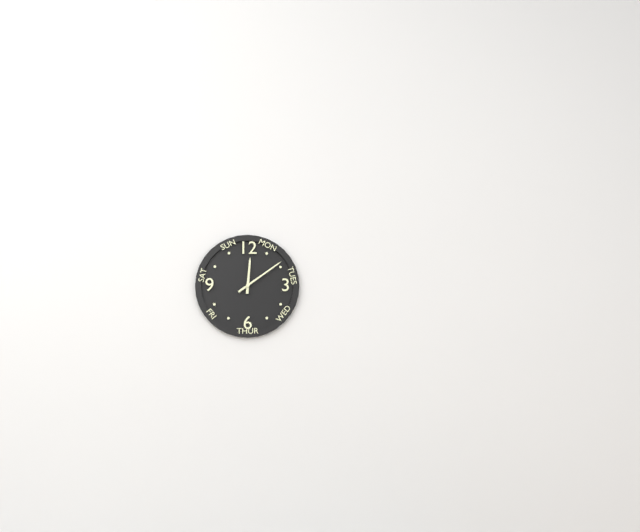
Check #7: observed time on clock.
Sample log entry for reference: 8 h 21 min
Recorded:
12 h 09 min
